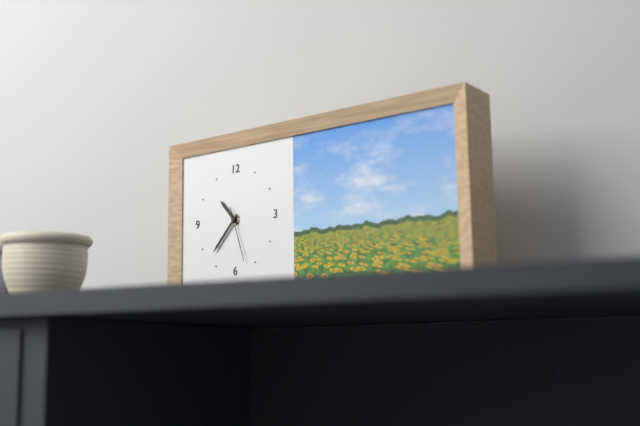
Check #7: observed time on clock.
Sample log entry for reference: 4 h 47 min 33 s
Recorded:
10 h 37 min 27 s
